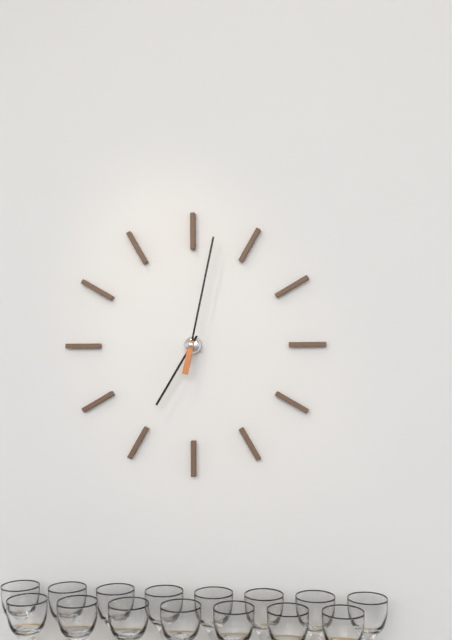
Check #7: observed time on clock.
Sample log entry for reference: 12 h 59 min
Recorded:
7 h 02 min
